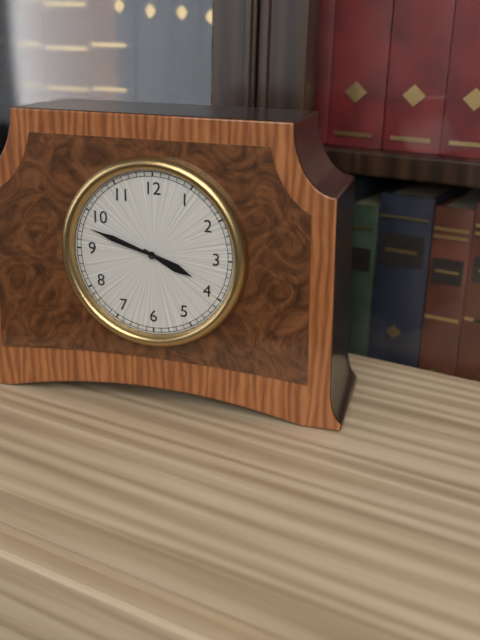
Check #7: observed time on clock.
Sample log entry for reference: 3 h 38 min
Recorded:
3 h 48 min
